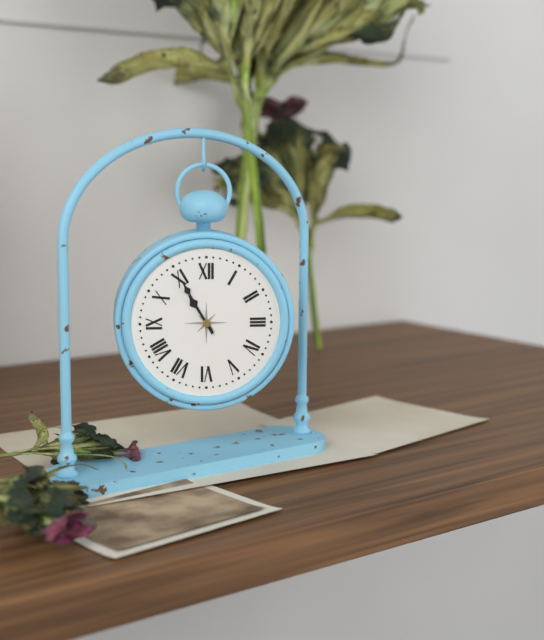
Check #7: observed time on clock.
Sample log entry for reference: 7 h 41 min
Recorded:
10 h 55 min
